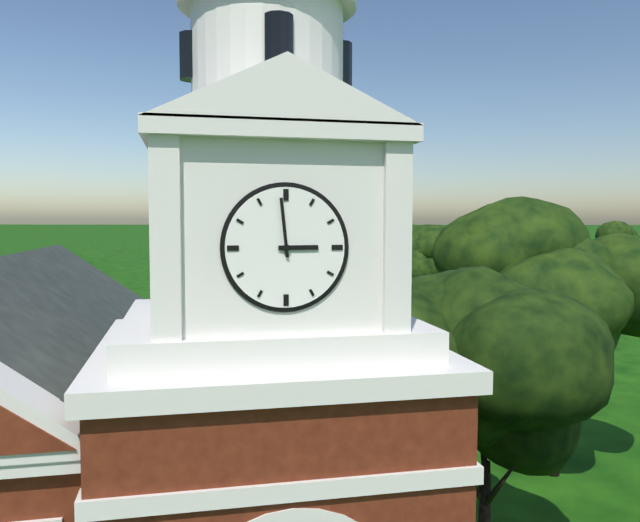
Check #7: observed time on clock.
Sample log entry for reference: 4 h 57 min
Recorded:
2 h 59 min
